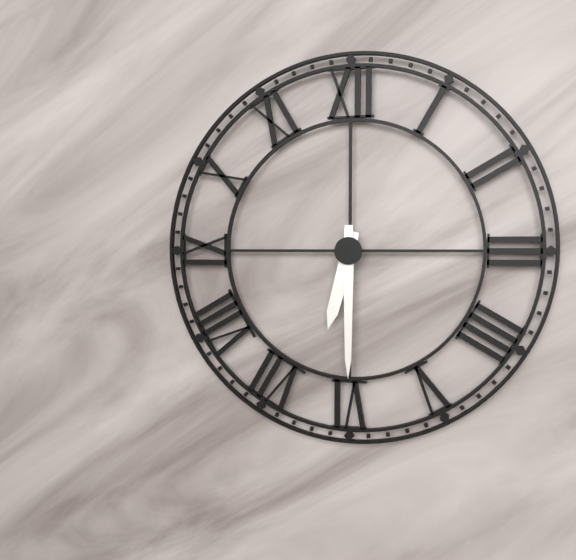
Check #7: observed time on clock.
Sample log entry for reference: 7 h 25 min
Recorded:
6 h 30 min
